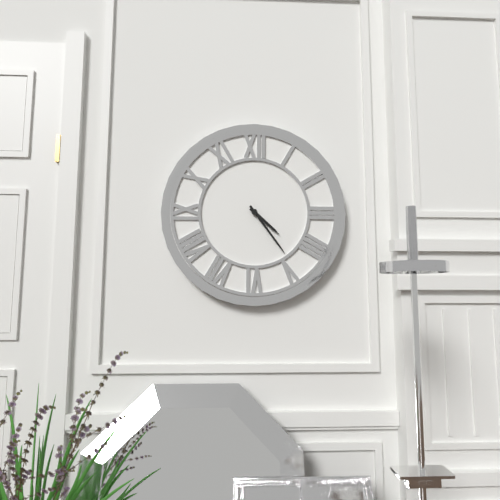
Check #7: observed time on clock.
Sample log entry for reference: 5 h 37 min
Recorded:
4 h 24 min
